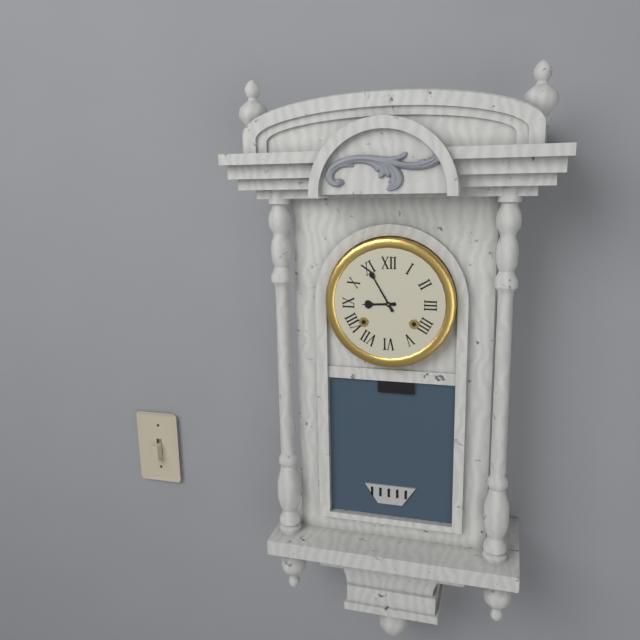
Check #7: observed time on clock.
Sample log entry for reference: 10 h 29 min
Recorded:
8 h 55 min
